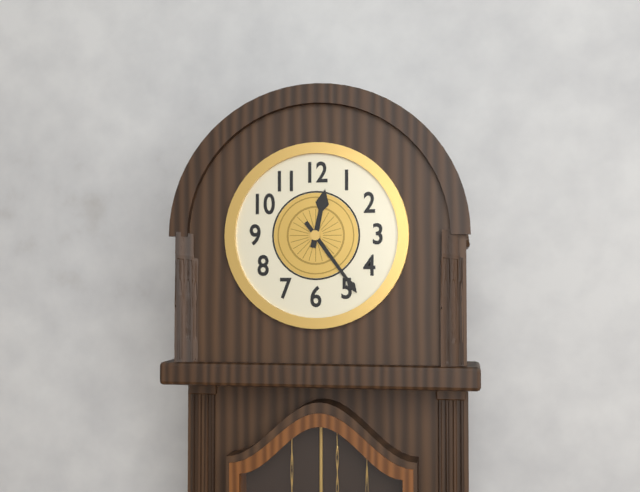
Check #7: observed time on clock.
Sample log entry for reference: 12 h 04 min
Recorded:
12 h 24 min
